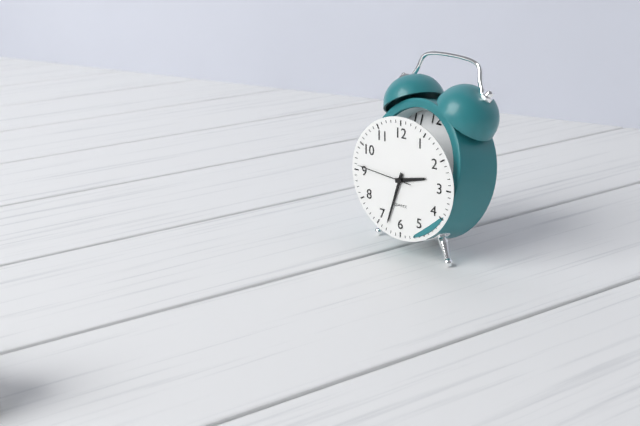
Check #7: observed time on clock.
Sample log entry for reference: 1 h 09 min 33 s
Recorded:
2 h 33 min 46 s
